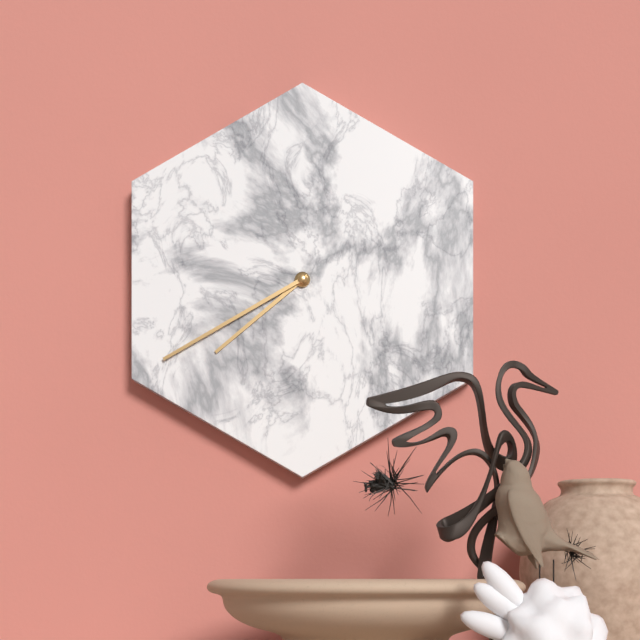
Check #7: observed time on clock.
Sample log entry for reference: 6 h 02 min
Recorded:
7 h 40 min
